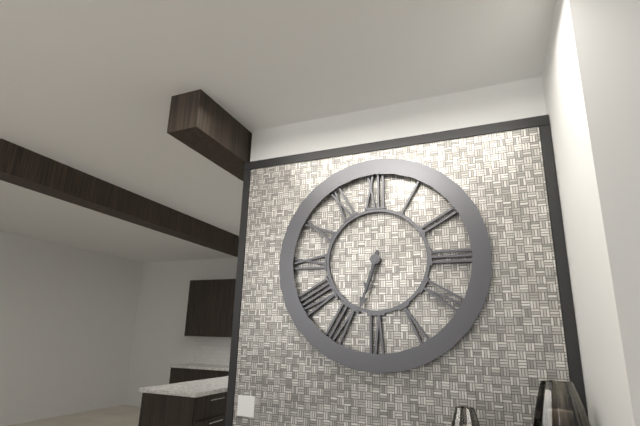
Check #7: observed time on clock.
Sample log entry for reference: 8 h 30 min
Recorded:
6 h 33 min
